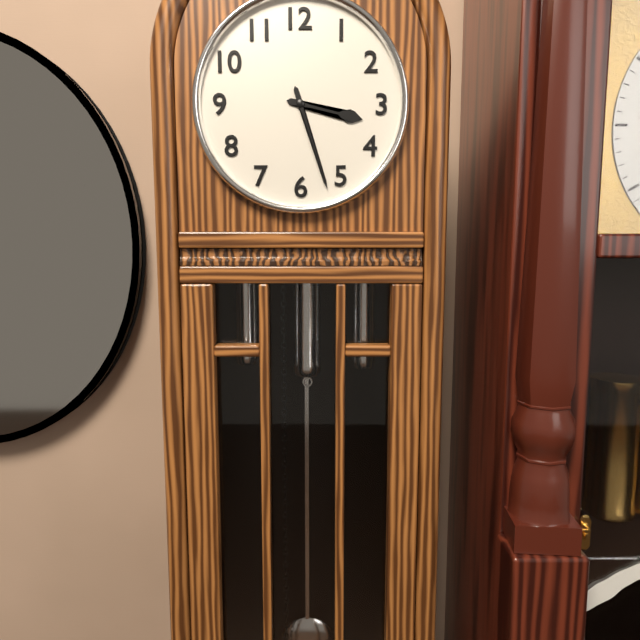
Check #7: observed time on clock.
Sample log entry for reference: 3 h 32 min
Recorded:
3 h 27 min
